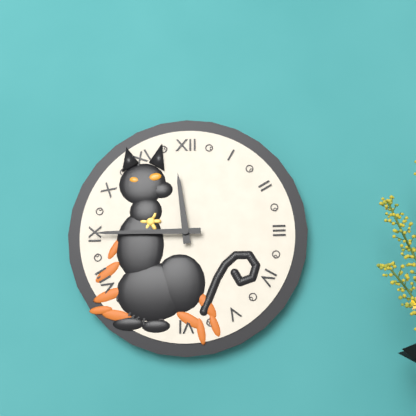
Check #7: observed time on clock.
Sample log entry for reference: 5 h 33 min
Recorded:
11 h 45 min
